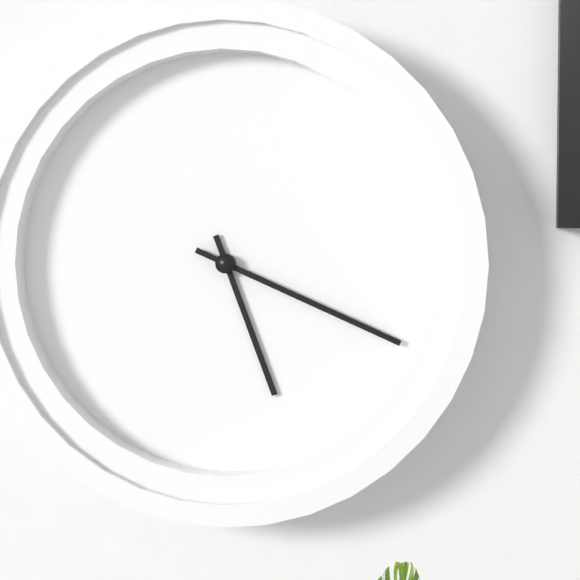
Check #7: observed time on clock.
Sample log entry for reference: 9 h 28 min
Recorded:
5 h 19 min
